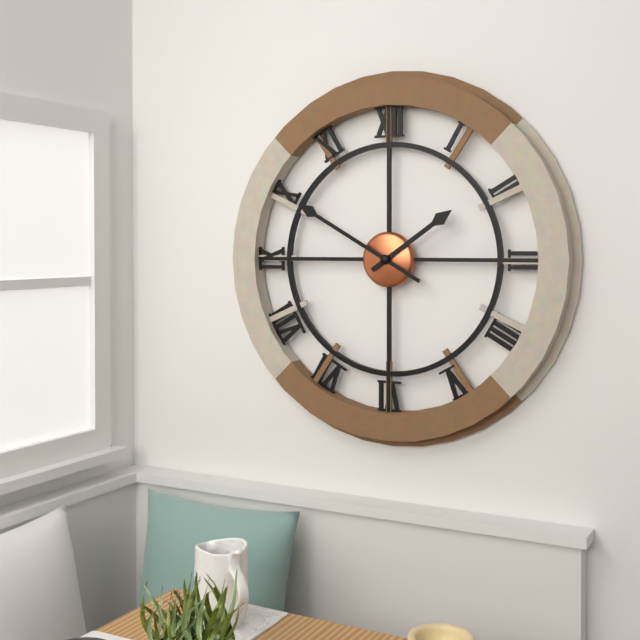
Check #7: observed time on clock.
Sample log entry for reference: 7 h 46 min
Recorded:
1 h 50 min
